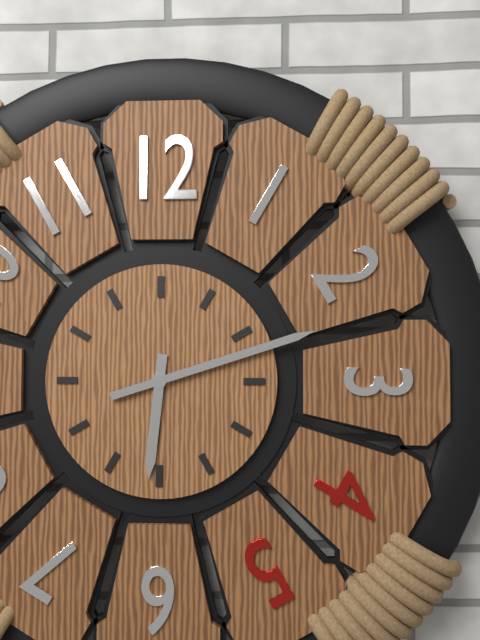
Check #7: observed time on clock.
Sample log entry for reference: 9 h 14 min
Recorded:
6 h 12 min
